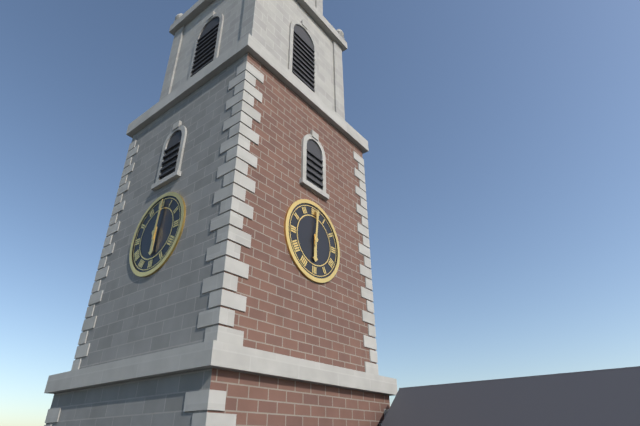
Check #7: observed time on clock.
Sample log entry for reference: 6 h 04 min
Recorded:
6 h 01 min
